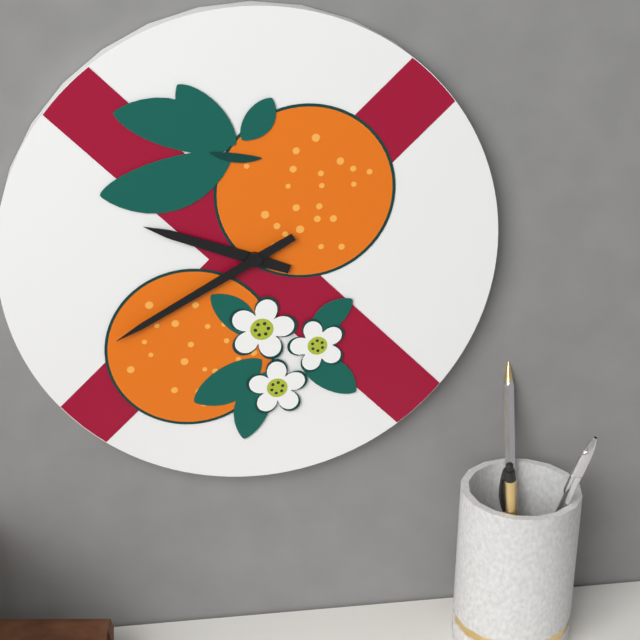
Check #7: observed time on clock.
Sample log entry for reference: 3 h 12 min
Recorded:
9 h 40 min
